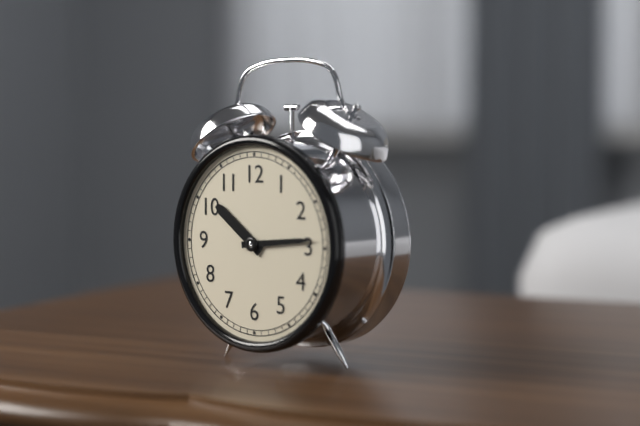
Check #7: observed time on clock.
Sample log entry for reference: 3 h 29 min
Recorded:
10 h 14 min
